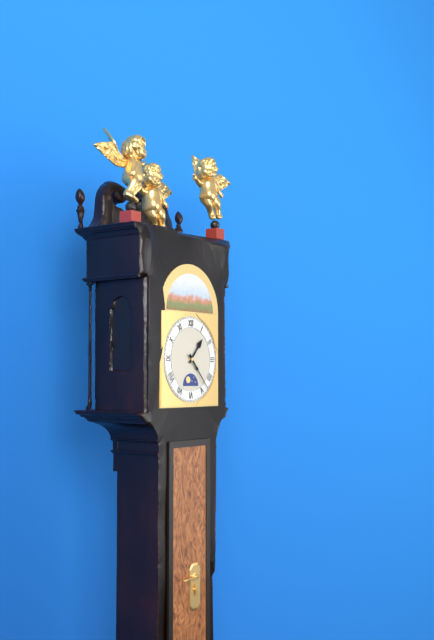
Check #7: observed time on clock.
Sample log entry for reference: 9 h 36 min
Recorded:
1 h 23 min
